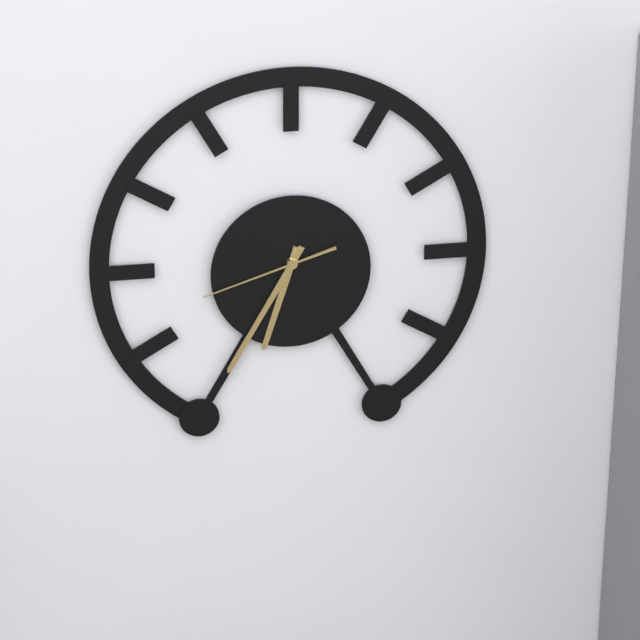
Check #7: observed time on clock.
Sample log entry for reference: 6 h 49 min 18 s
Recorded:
6 h 35 min 42 s
